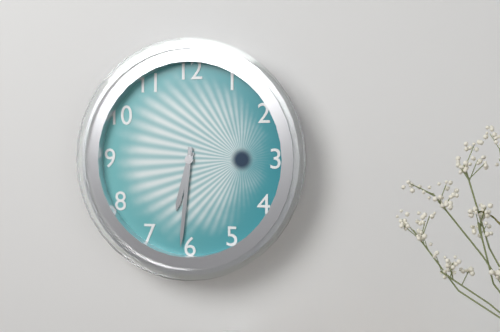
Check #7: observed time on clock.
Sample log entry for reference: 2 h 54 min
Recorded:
6 h 31 min
